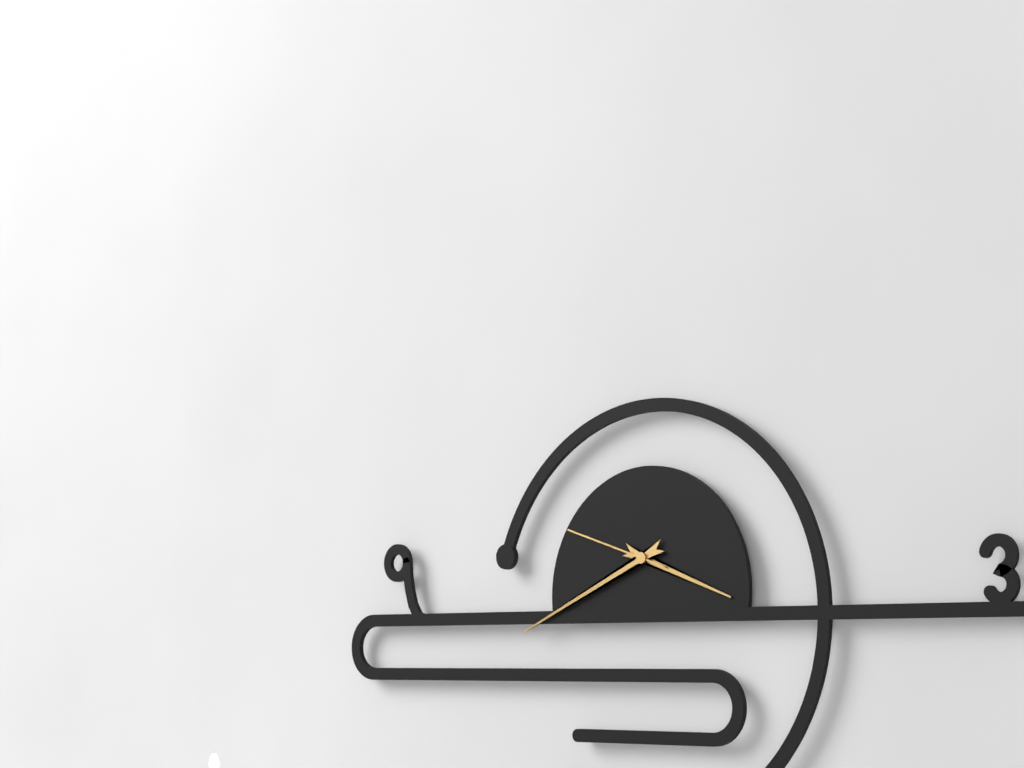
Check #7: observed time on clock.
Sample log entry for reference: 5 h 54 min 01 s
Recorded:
3 h 41 min 48 s
